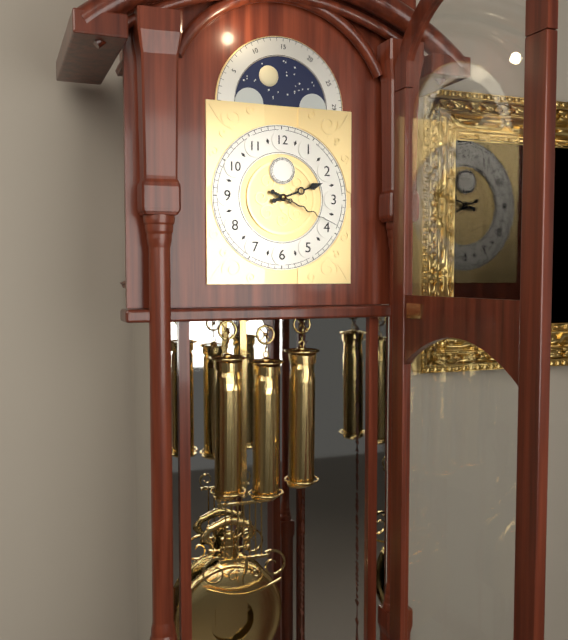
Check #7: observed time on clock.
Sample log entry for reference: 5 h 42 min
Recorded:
2 h 19 min
